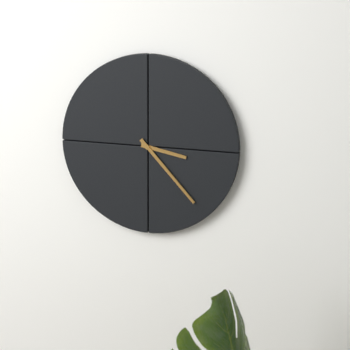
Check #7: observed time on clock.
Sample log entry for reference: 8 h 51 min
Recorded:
3 h 23 min
